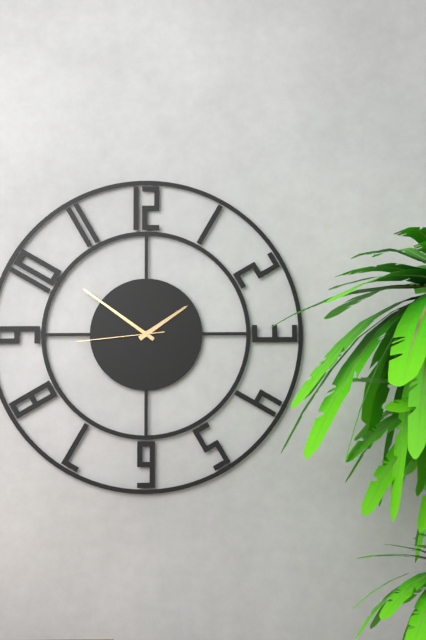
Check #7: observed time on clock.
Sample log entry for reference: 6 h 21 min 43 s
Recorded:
1 h 51 min 44 s
